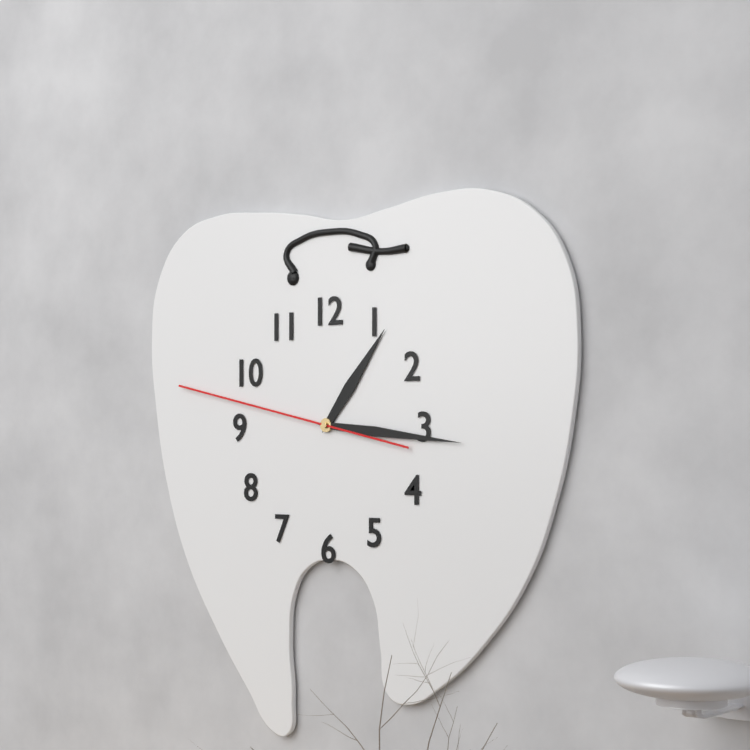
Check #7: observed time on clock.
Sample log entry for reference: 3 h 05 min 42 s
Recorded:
1 h 16 min 47 s
